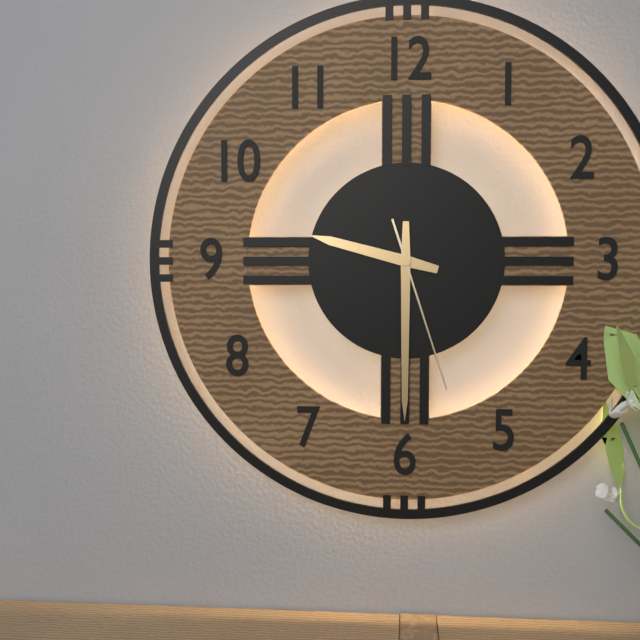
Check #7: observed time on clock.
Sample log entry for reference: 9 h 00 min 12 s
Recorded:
9 h 30 min 27 s
